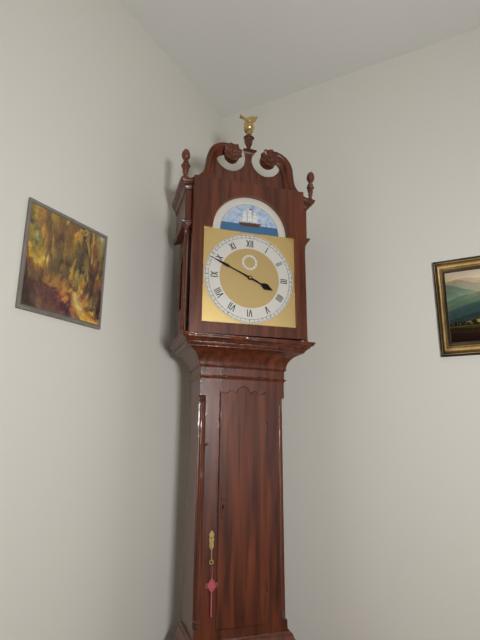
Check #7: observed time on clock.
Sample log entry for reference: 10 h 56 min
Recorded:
3 h 49 min
